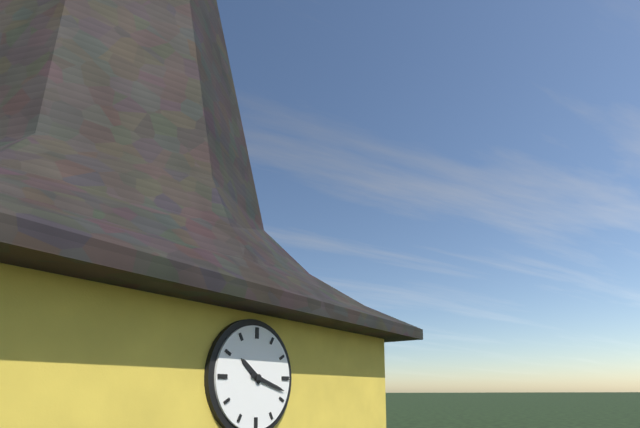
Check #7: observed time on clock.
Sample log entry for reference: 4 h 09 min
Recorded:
10 h 18 min
